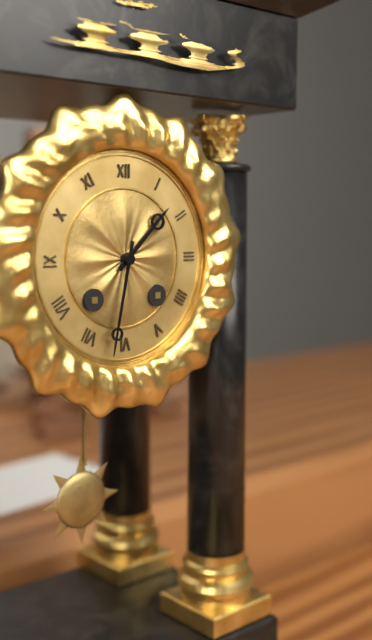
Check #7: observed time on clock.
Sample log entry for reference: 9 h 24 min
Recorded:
1 h 32 min
